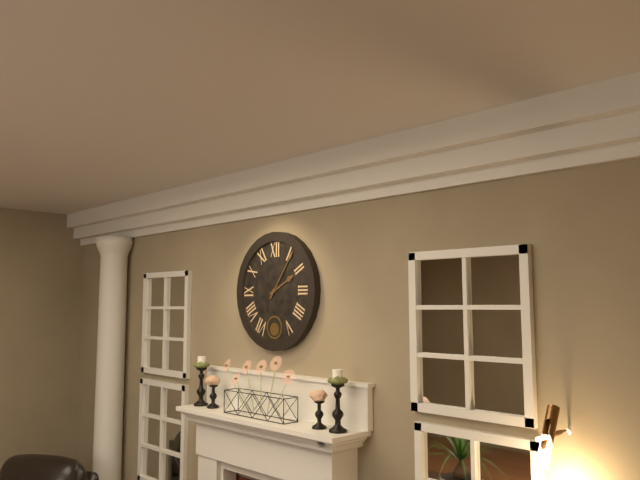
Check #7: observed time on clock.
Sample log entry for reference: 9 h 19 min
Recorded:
2 h 06 min
